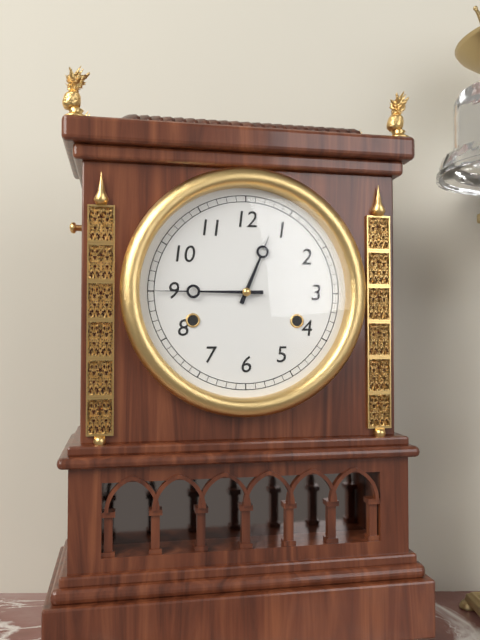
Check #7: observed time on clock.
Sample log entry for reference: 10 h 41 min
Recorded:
12 h 45 min
